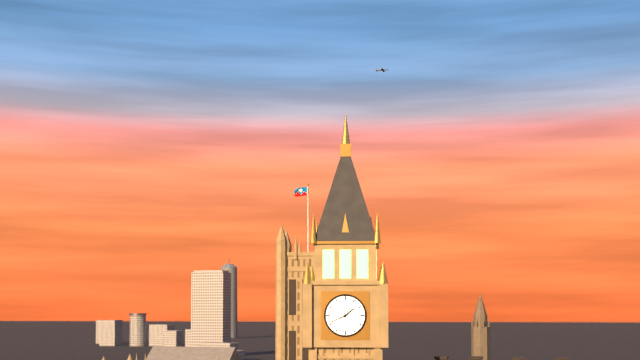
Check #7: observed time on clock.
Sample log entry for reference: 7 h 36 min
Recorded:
1 h 41 min
